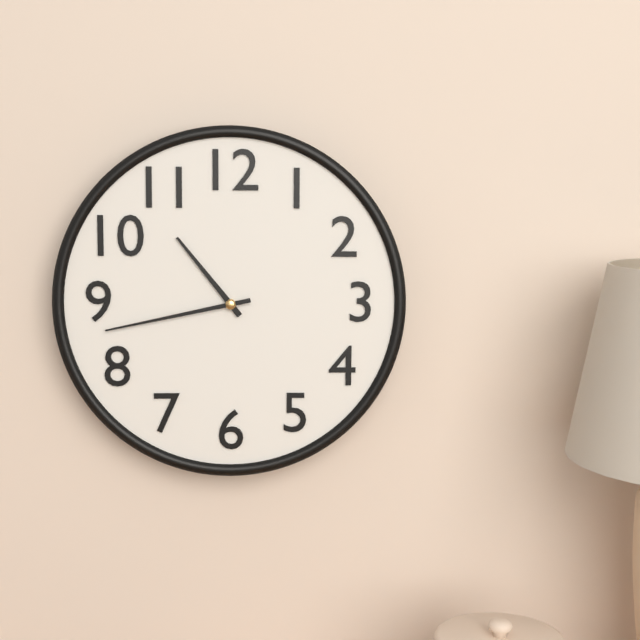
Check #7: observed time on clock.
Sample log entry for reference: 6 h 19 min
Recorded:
10 h 43 min
